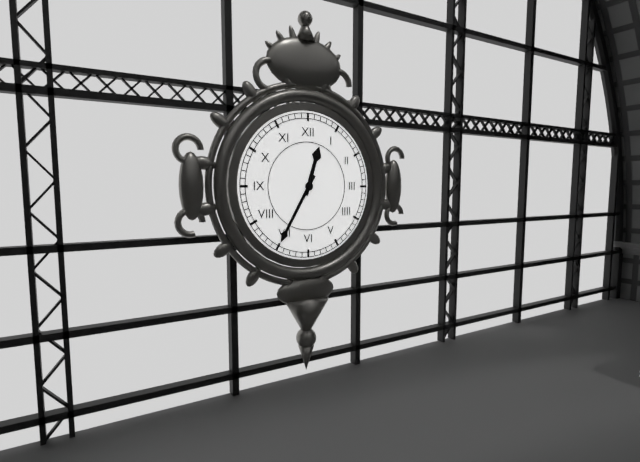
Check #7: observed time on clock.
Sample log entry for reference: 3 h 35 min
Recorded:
12 h 35 min
